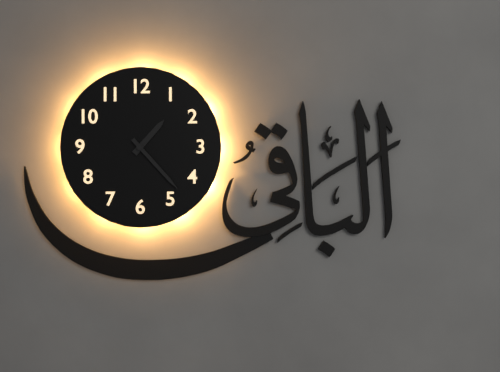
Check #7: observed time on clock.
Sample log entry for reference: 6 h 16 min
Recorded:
1 h 23 min
